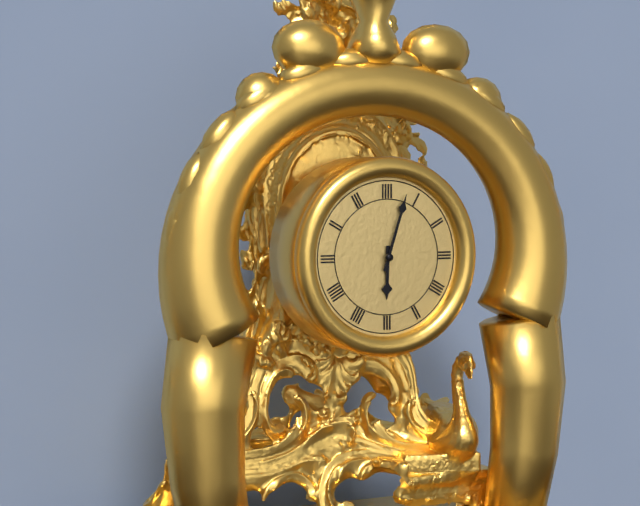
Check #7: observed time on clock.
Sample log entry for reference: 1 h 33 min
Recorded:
6 h 03 min
